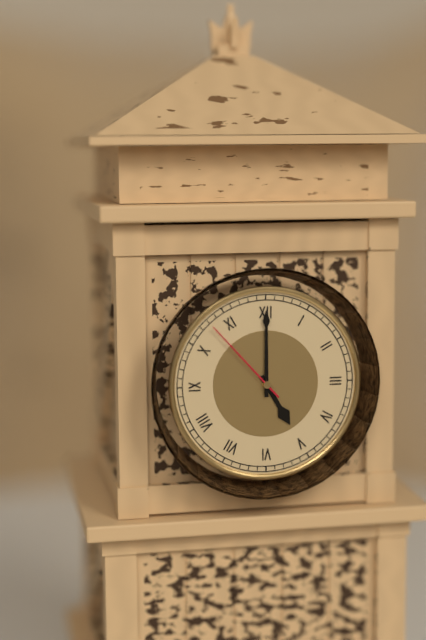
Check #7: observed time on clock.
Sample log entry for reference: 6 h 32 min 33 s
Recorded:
5 h 00 min 53 s
